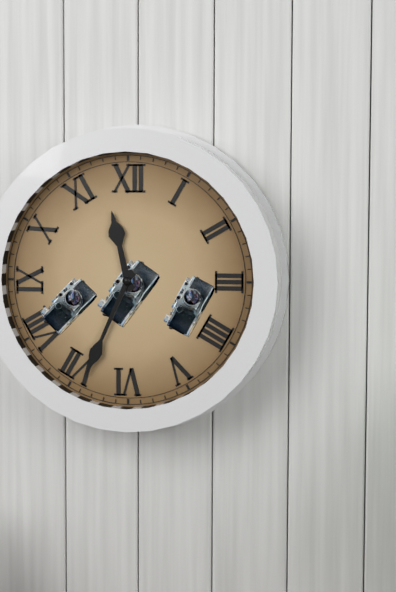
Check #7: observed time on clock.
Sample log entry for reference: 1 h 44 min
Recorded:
11 h 34 min
